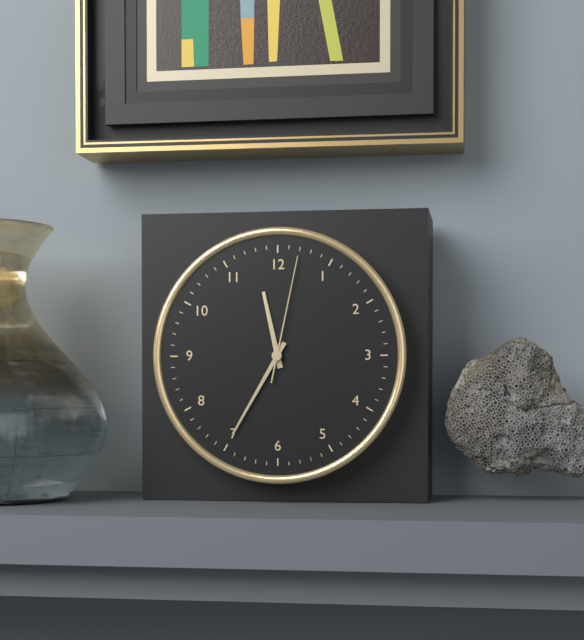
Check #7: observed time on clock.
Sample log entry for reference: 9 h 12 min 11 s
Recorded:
11 h 35 min 02 s
